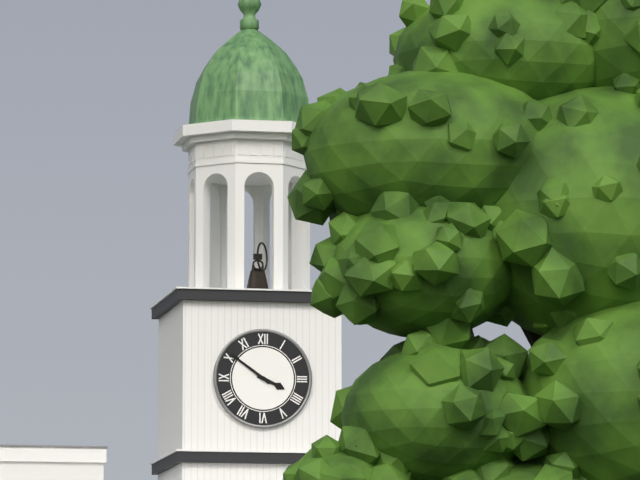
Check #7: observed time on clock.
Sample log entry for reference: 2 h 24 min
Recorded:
3 h 51 min
